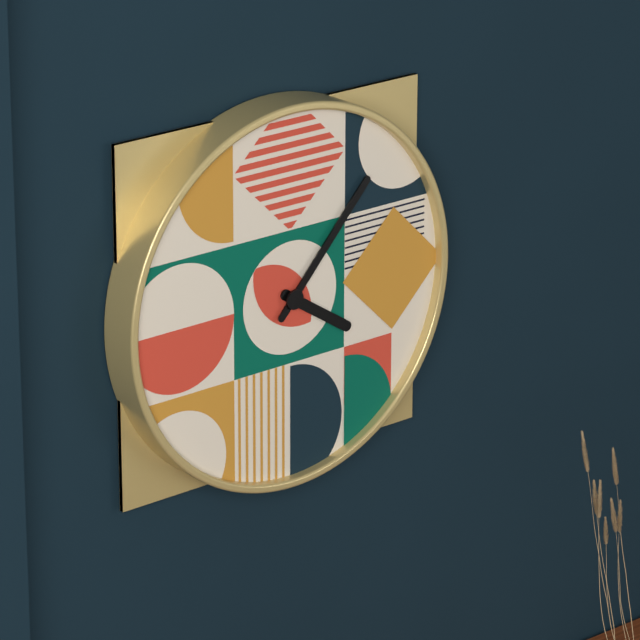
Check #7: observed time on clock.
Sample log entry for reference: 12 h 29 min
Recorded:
4 h 07 min
